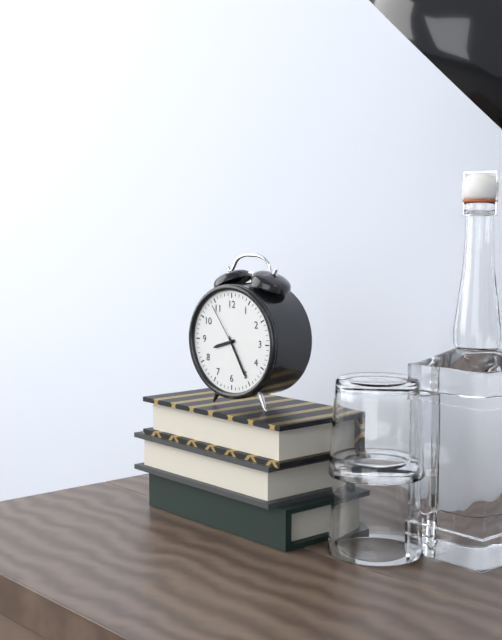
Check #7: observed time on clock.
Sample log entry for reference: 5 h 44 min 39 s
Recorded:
8 h 25 min 54 s
